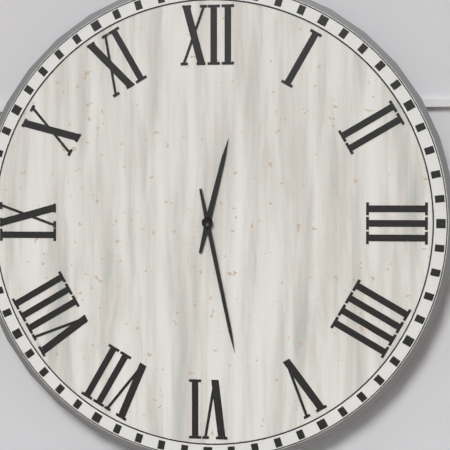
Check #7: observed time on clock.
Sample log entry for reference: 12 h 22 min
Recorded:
12 h 28 min
